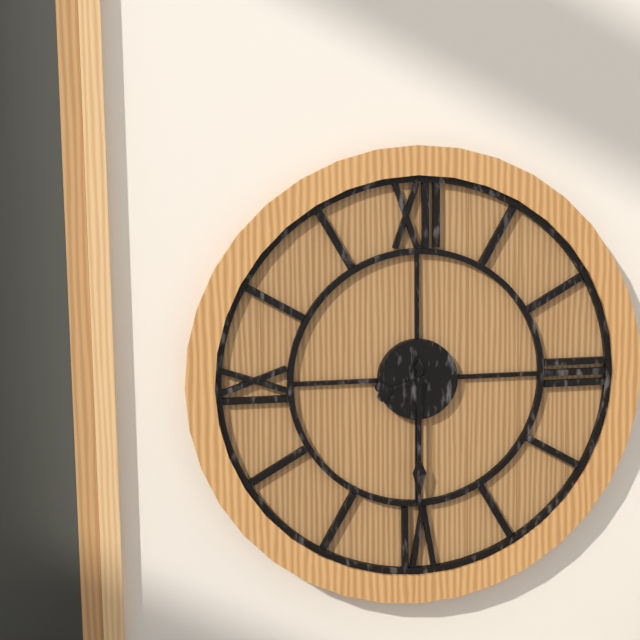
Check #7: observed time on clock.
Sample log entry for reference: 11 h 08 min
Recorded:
8 h 30 min
